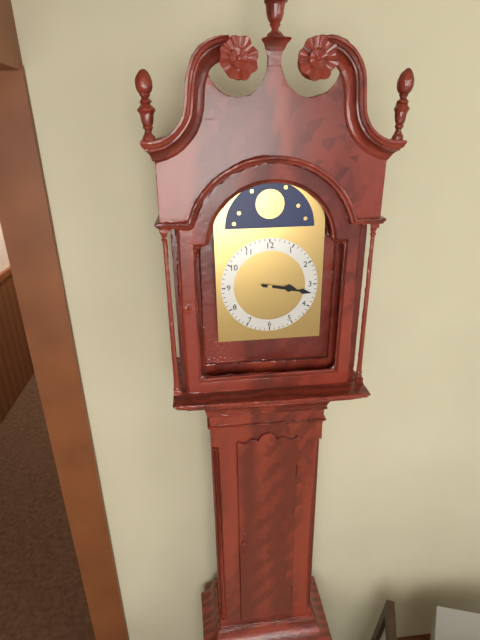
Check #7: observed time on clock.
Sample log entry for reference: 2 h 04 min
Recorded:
3 h 17 min
